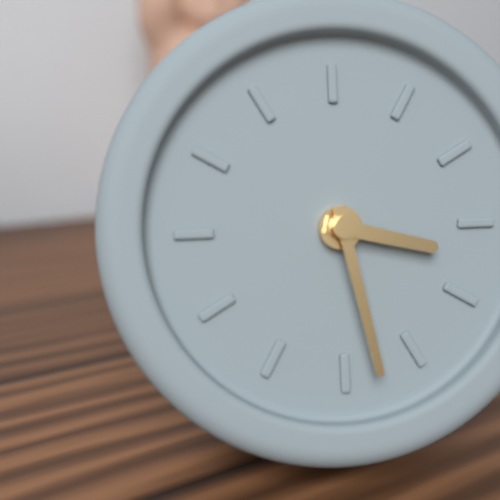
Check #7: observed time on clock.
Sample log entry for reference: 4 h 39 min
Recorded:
3 h 28 min
